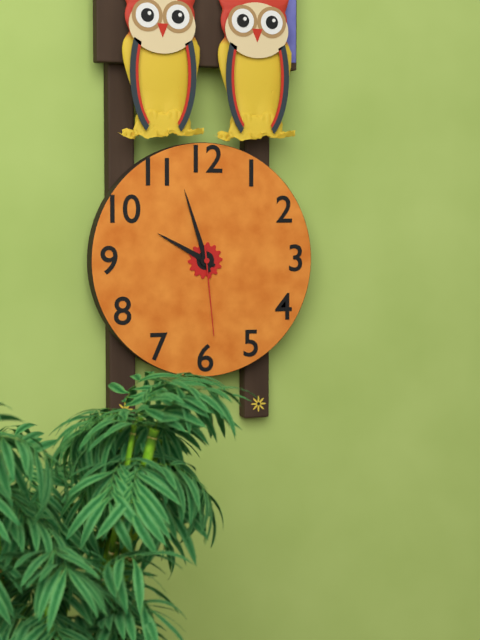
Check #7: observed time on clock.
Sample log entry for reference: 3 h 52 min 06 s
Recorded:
9 h 57 min 29 s
